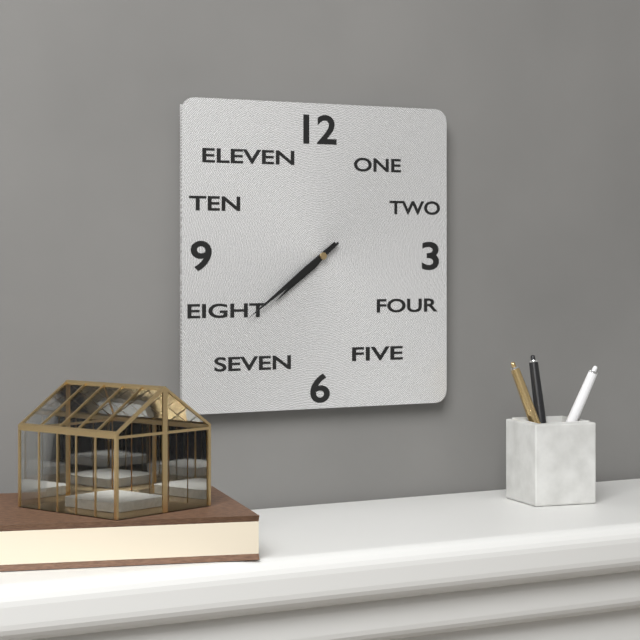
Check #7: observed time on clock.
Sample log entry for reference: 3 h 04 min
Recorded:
7 h 39 min
